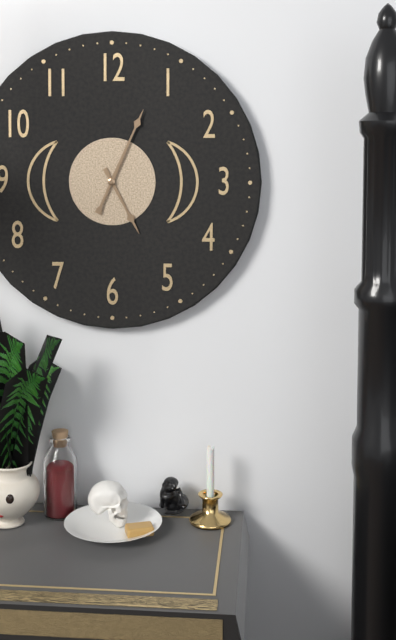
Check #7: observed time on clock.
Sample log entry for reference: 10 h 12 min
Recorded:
5 h 04 min
